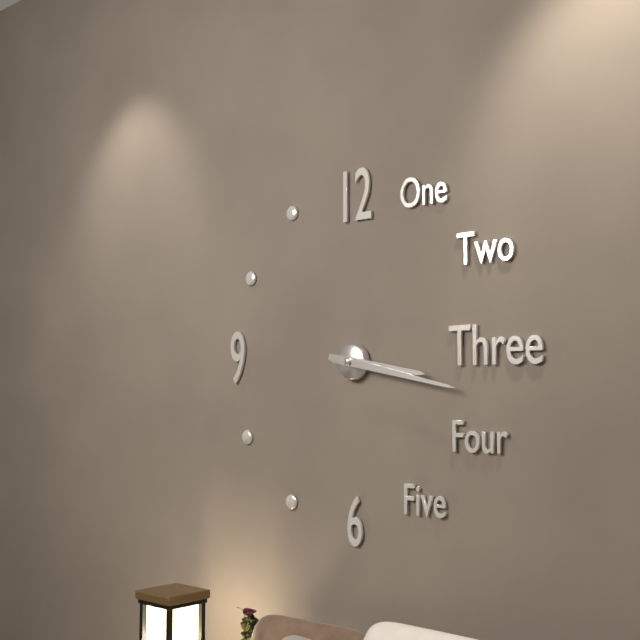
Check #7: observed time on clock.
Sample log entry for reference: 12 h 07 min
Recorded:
3 h 17 min
